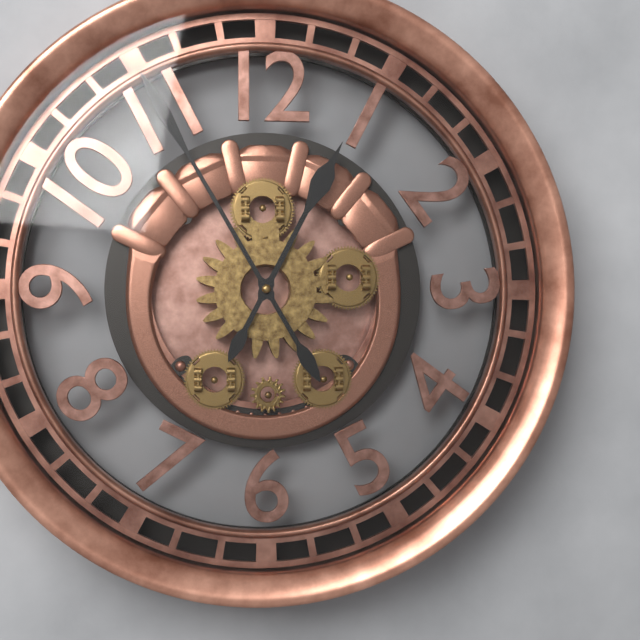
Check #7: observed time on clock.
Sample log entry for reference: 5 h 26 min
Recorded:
12 h 55 min
